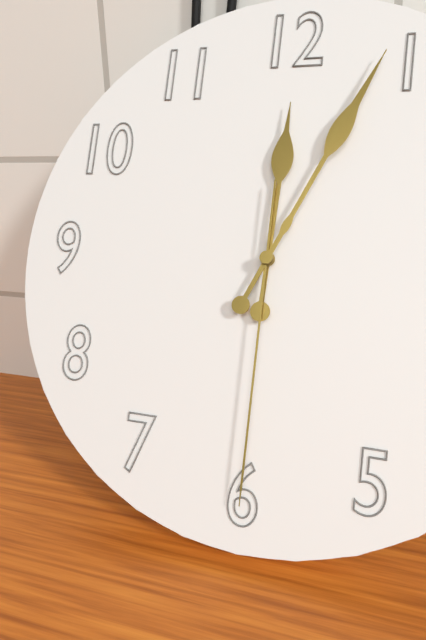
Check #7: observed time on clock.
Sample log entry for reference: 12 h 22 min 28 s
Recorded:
12 h 04 min 30 s
